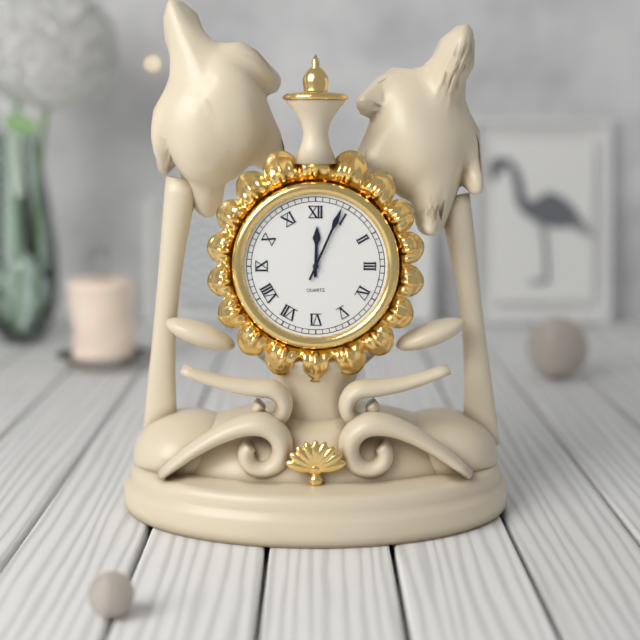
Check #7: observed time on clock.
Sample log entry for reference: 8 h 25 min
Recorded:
12 h 04 min
